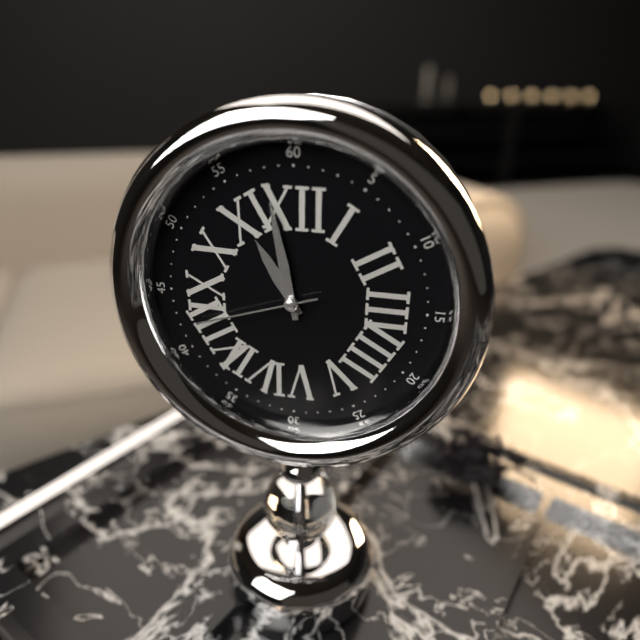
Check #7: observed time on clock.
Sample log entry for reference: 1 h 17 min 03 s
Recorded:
10 h 58 min 42 s
